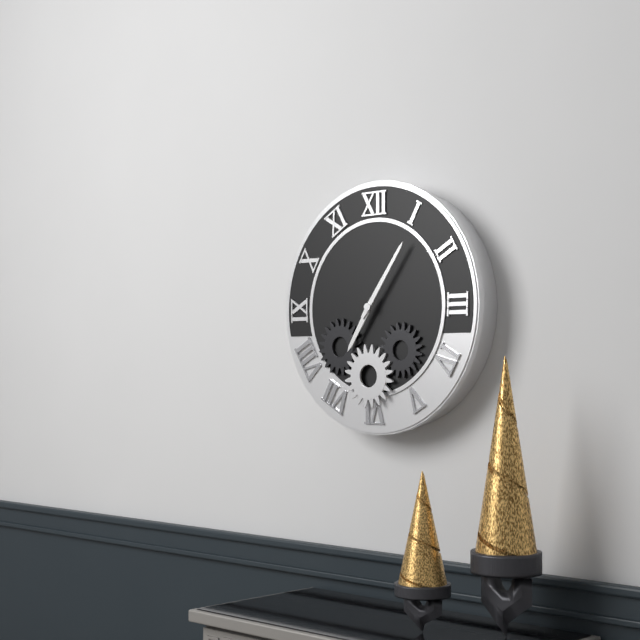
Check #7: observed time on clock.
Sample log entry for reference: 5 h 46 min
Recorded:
7 h 06 min
